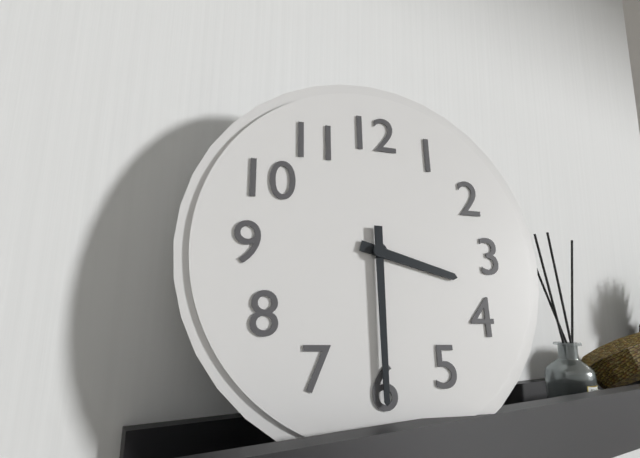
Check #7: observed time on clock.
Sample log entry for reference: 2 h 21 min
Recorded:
3 h 30 min
